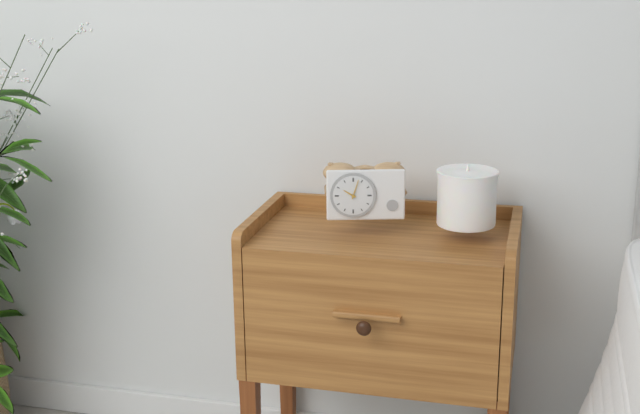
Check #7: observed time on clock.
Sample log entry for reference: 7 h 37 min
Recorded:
10 h 03 min
